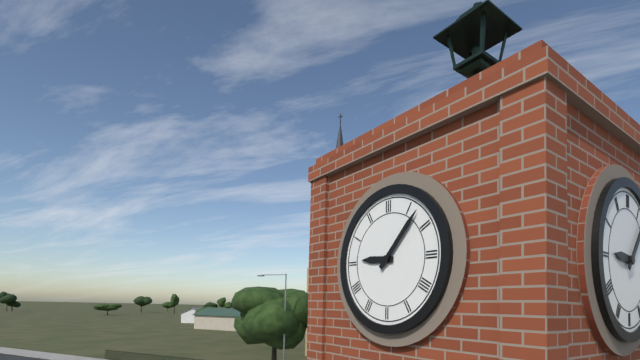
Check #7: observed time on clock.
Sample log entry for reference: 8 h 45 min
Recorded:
9 h 07 min
